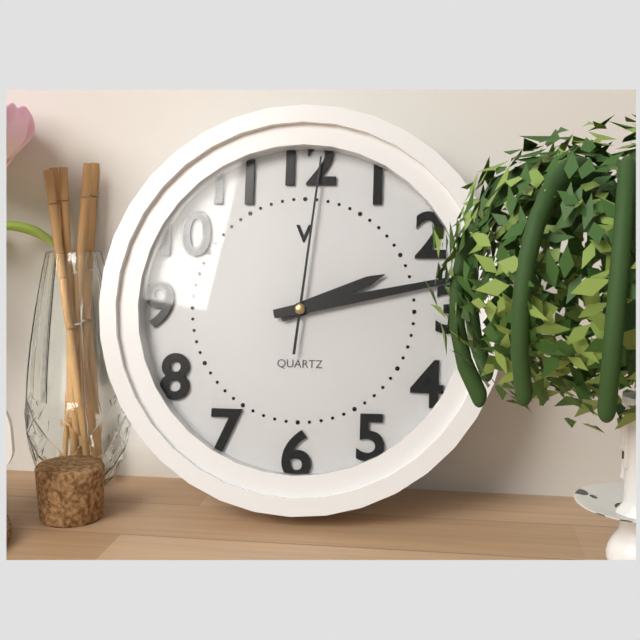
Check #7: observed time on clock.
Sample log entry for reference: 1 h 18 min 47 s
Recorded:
2 h 13 min 01 s
